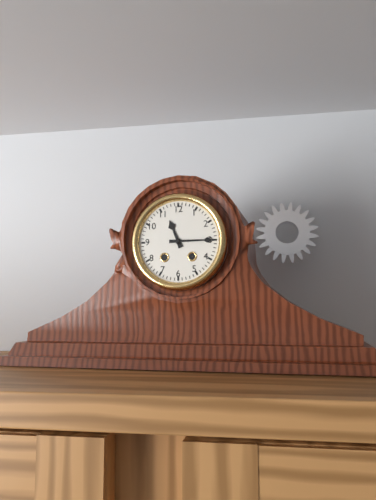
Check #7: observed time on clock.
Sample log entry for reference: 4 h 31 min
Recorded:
11 h 15 min
